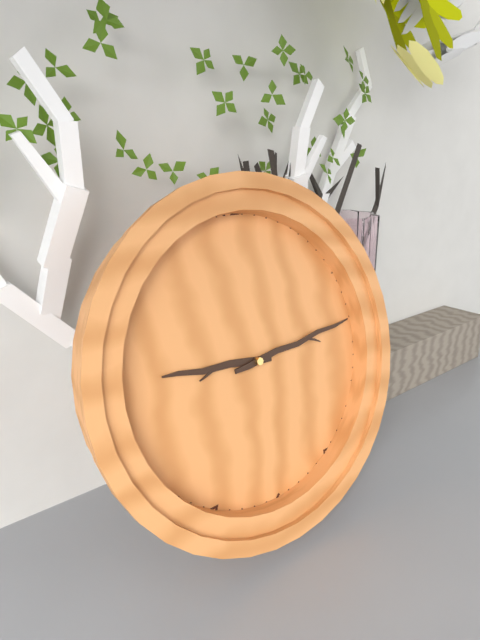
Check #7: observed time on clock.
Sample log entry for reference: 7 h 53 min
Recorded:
9 h 14 min
